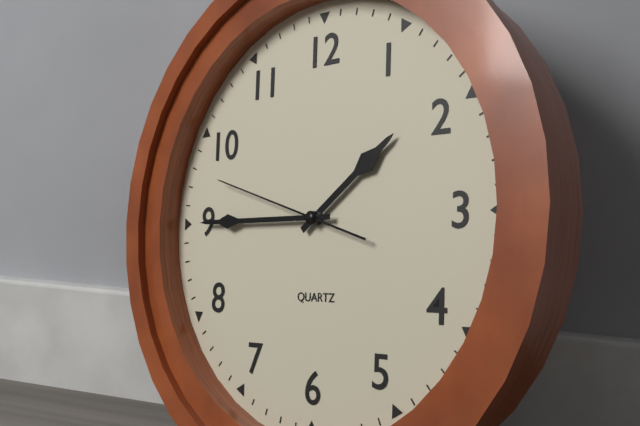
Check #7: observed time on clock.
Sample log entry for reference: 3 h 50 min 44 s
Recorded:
1 h 45 min 48 s
